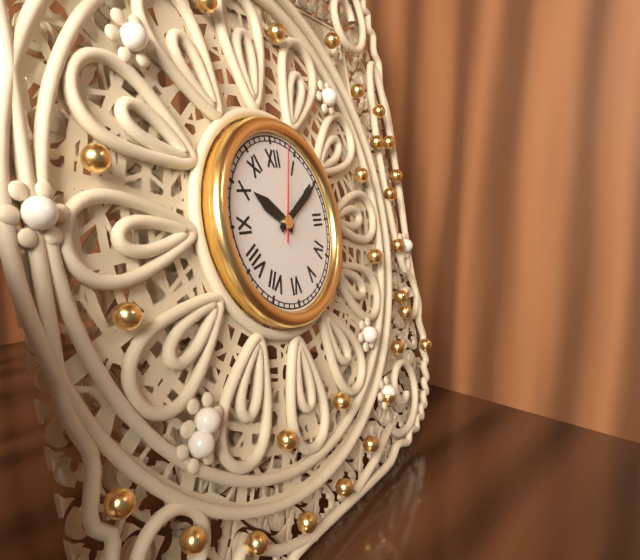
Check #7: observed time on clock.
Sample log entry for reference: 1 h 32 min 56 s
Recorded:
10 h 10 min 03 s
